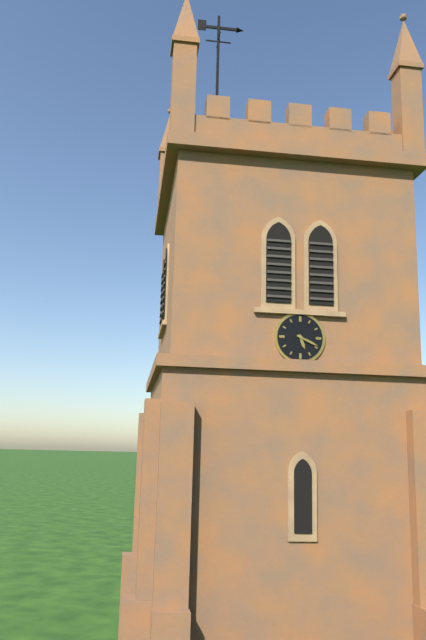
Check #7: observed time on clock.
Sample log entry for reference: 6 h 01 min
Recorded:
5 h 19 min
